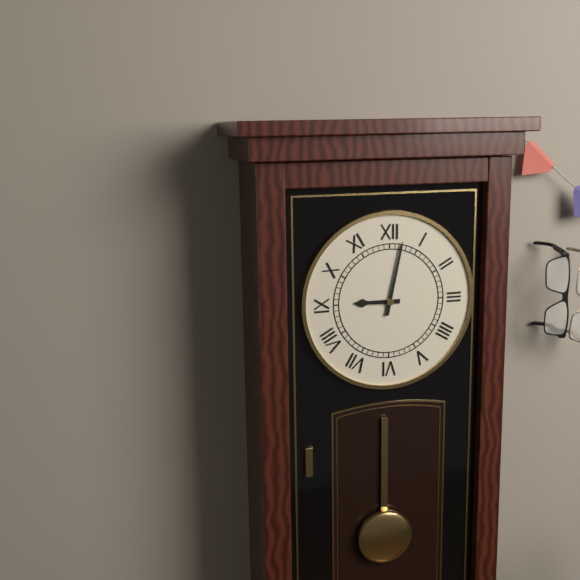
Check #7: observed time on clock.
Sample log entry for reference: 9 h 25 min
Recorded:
9 h 02 min
